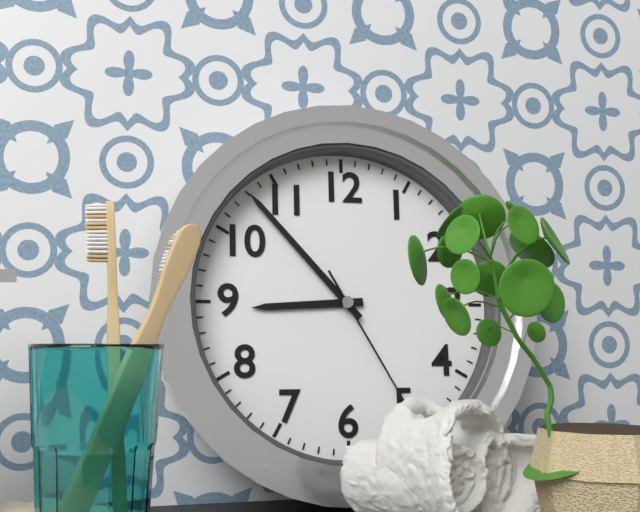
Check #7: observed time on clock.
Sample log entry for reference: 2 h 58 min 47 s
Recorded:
8 h 53 min 25 s
